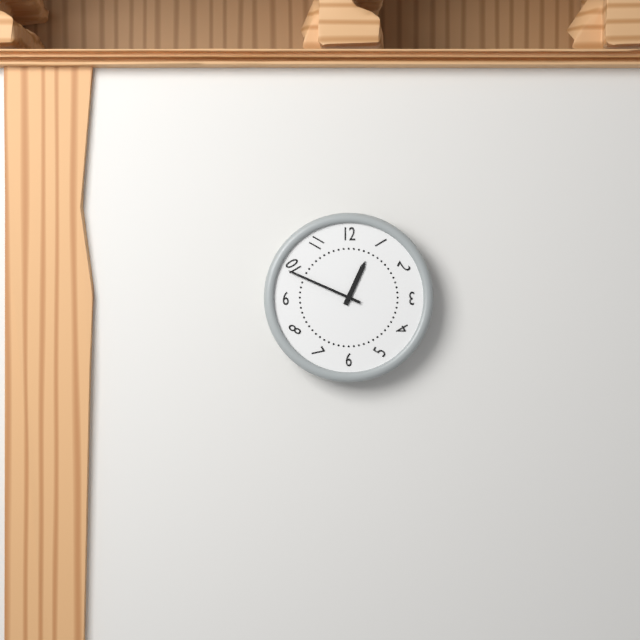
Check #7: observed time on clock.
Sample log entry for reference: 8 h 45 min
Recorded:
12 h 49 min
